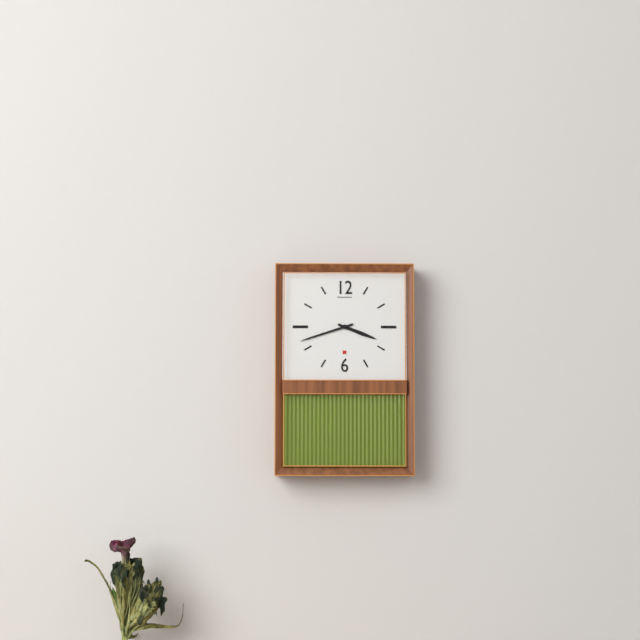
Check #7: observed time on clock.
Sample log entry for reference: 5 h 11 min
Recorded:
3 h 42 min
